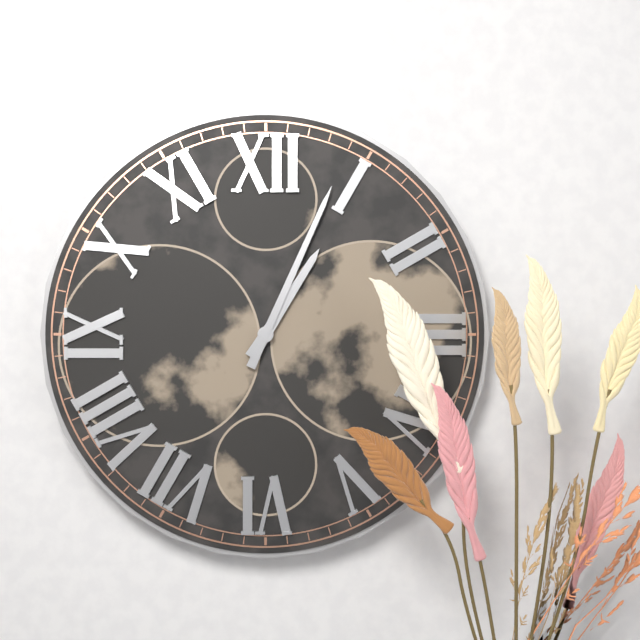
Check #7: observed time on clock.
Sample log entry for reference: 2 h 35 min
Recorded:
1 h 04 min
